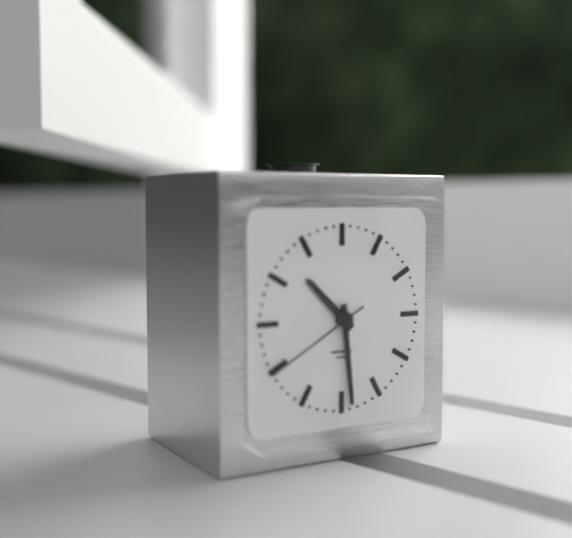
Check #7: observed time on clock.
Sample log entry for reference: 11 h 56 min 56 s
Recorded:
10 h 29 min 40 s
